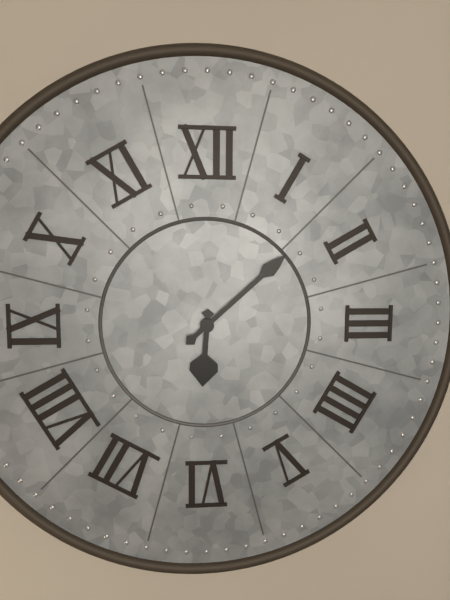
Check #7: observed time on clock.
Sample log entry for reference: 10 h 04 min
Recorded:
6 h 08 min
